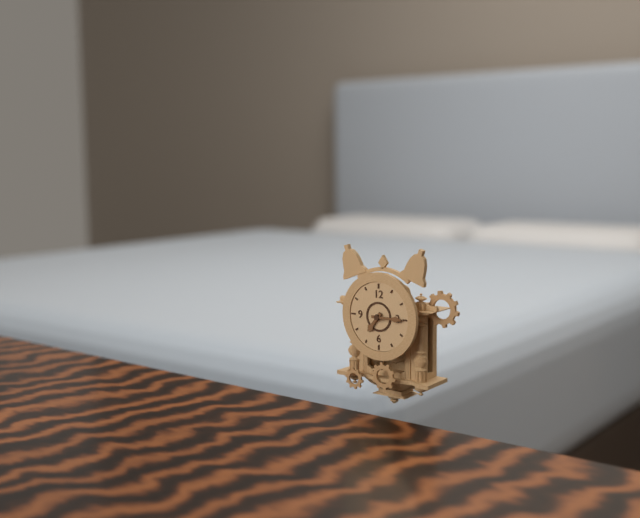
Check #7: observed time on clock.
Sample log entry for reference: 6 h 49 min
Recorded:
7 h 15 min
